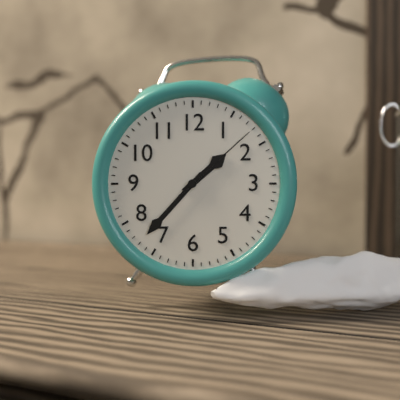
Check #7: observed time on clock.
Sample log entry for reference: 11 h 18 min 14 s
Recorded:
1 h 37 min 08 s
